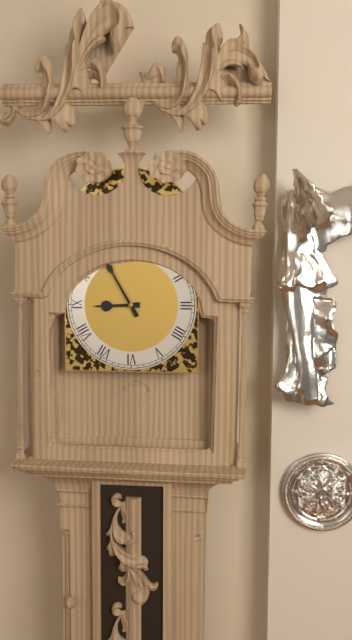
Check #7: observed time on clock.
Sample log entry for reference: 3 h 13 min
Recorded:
8 h 55 min
